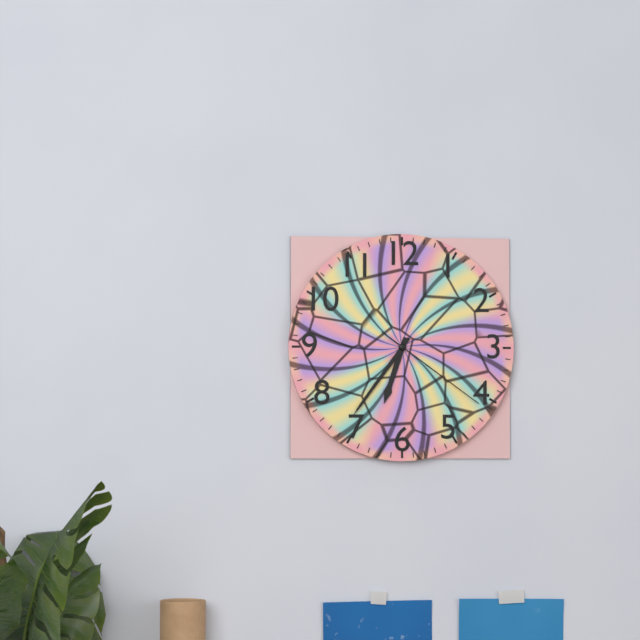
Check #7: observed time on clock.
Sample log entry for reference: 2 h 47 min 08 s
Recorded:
6 h 36 min 21 s
